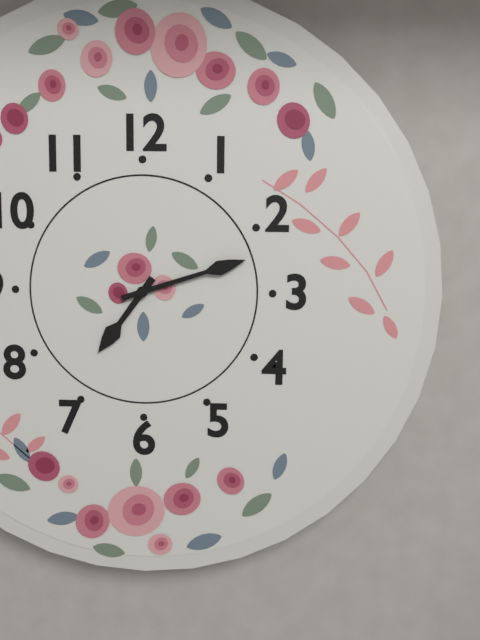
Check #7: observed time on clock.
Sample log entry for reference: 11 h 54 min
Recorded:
7 h 12 min
